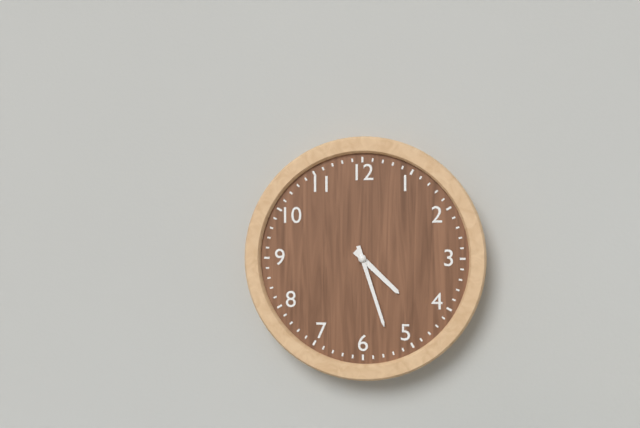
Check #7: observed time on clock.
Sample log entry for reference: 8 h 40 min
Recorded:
4 h 27 min
